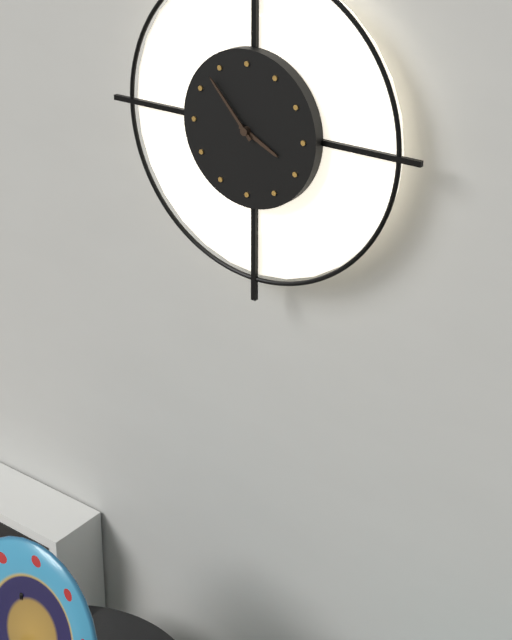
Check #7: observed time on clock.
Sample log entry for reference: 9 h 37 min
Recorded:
3 h 53 min
